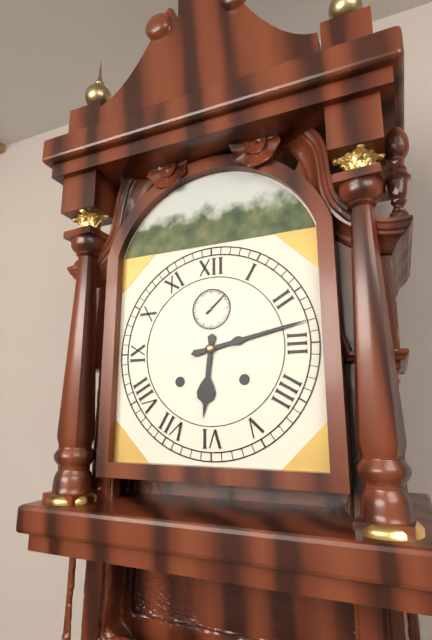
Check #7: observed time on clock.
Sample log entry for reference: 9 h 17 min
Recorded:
6 h 13 min
